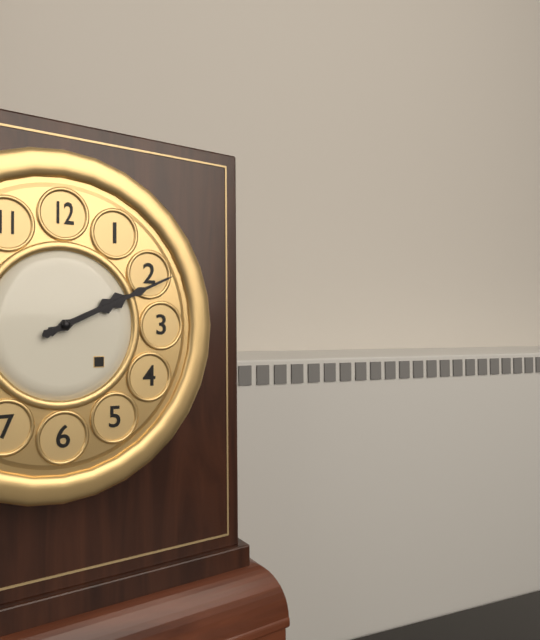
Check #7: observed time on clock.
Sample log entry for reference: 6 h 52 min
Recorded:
2 h 11 min
